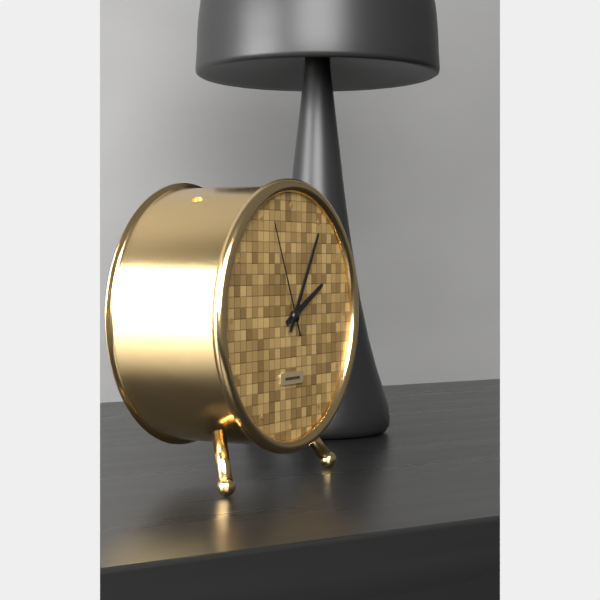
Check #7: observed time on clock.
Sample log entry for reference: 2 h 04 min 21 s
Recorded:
2 h 05 min 56 s
